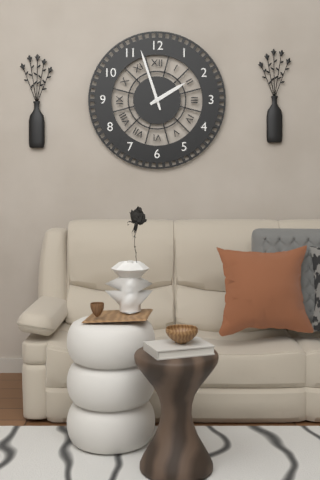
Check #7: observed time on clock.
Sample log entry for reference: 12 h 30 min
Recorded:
1 h 57 min
